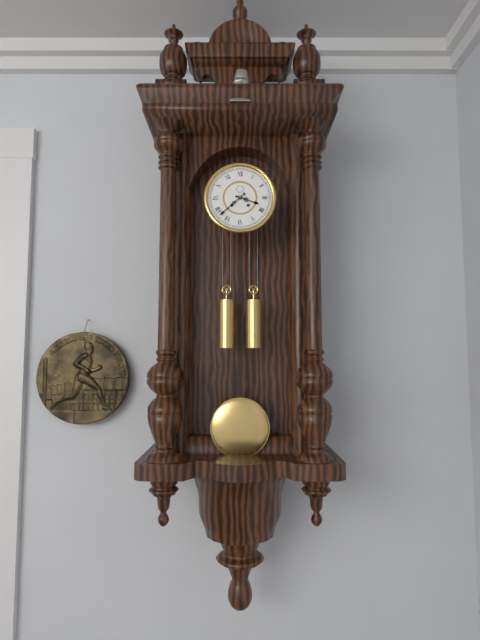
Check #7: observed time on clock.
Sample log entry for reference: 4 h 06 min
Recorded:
3 h 38 min
